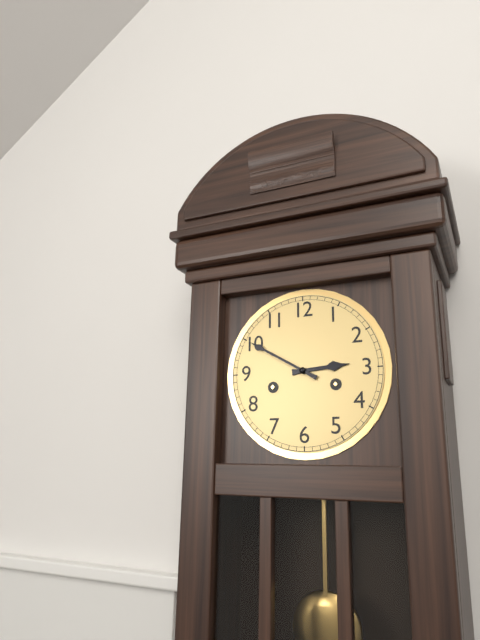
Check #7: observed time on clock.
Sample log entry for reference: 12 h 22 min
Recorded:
2 h 50 min
